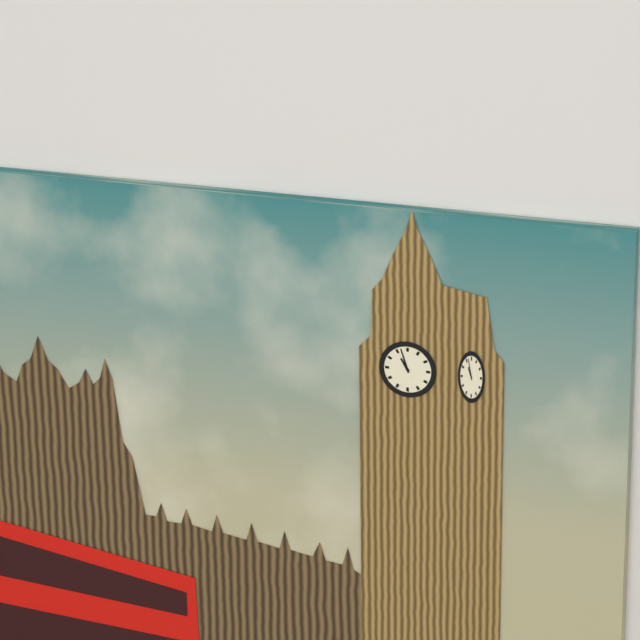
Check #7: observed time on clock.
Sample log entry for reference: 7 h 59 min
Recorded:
10 h 57 min
